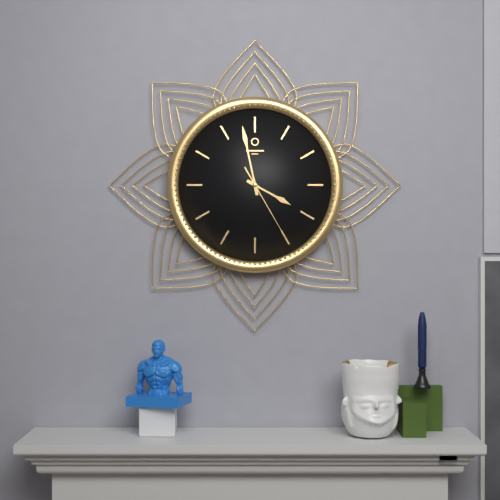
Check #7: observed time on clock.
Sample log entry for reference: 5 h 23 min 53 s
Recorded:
3 h 58 min 25 s
